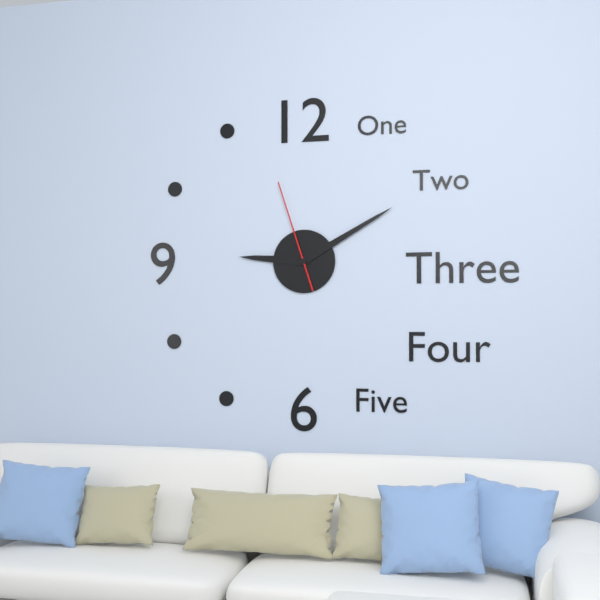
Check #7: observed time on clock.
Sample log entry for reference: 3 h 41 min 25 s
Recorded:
9 h 10 min 57 s
